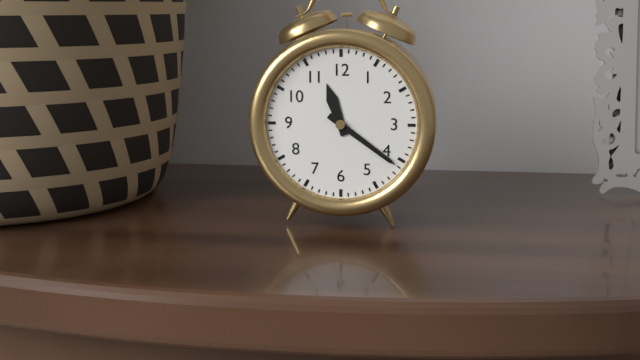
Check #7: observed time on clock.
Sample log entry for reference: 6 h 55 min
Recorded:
11 h 21 min
